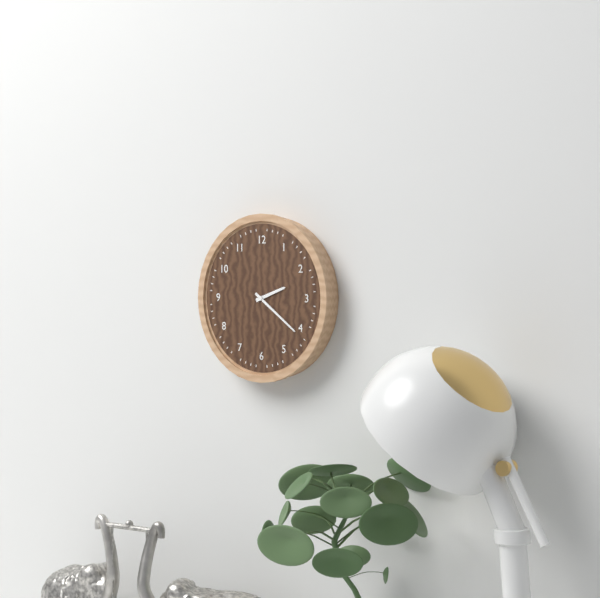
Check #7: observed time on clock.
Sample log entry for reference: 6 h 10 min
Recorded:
2 h 21 min
